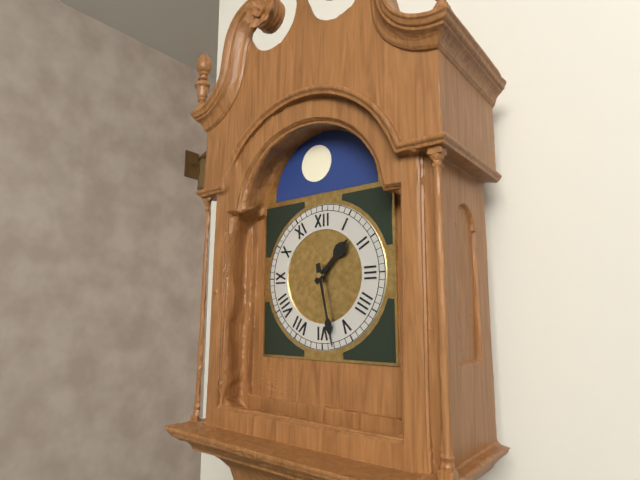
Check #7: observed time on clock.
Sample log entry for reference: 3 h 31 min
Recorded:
1 h 28 min
